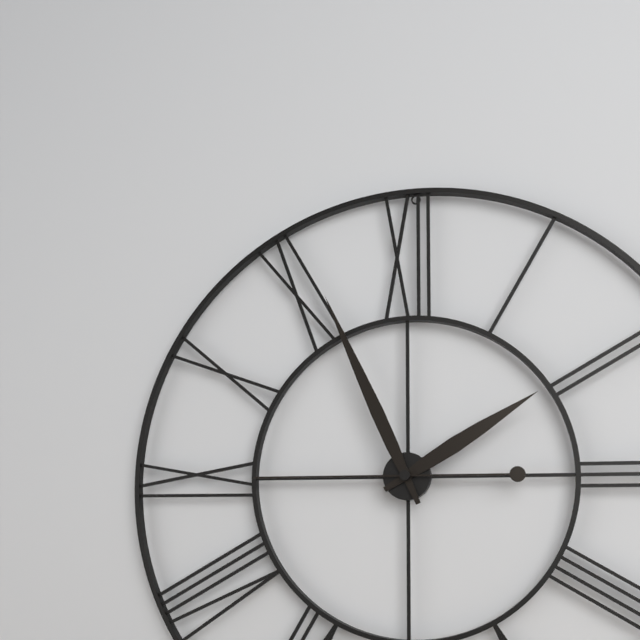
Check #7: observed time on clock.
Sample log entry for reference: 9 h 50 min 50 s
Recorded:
1 h 56 min 45 s
